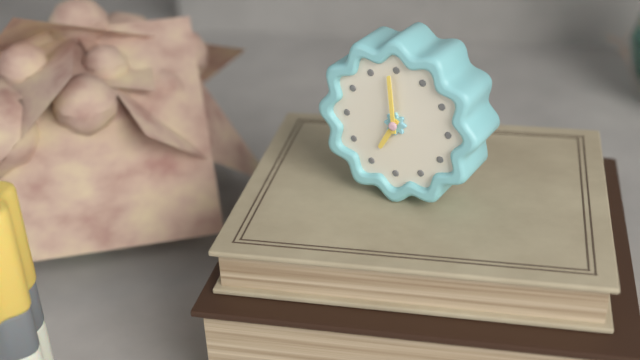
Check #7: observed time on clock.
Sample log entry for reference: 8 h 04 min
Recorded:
6 h 59 min
